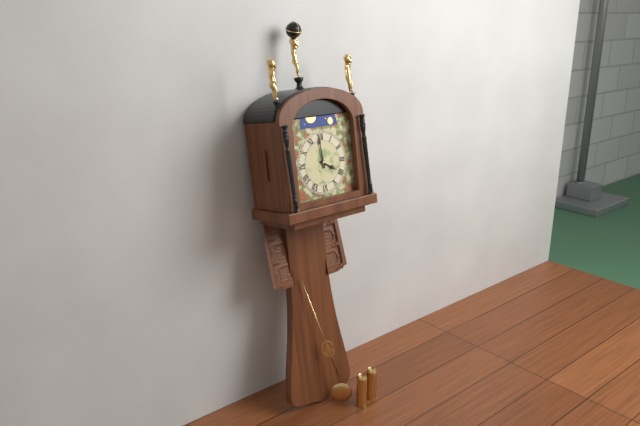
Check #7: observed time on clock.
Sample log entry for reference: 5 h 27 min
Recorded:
3 h 59 min
